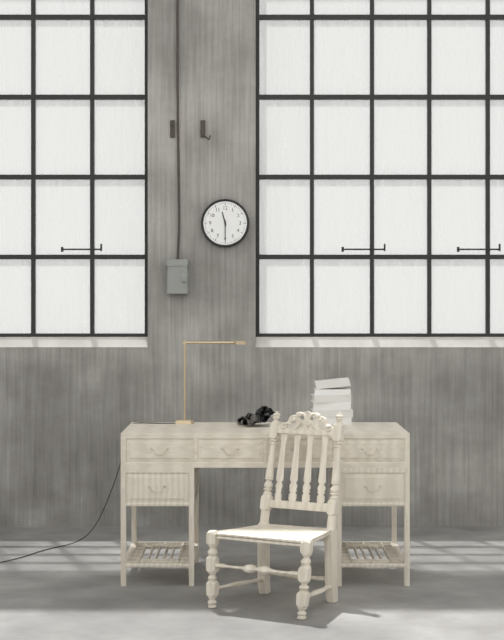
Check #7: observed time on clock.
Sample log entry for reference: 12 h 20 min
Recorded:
11 h 30 min
